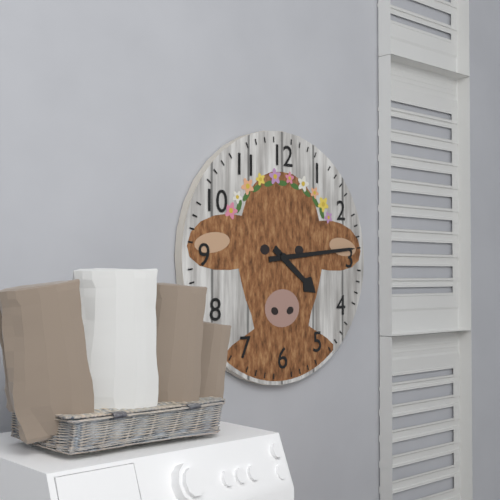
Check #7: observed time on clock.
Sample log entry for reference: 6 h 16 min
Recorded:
4 h 14 min
